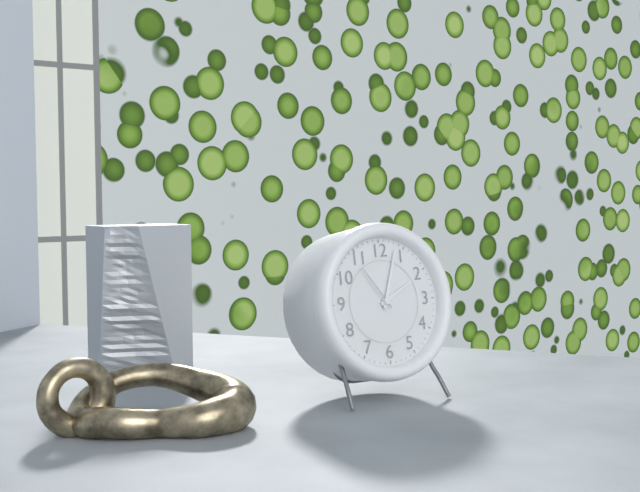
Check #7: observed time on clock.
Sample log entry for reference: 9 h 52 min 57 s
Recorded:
2 h 03 min 54 s
